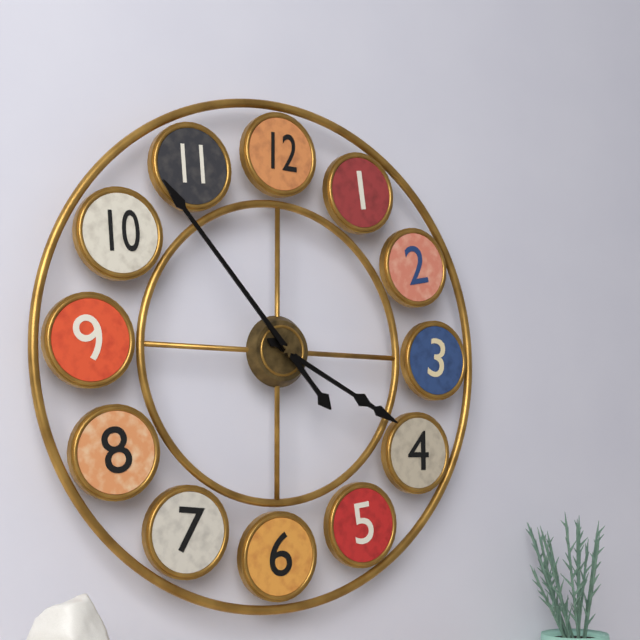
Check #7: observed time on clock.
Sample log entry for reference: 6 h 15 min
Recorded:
3 h 53 min
